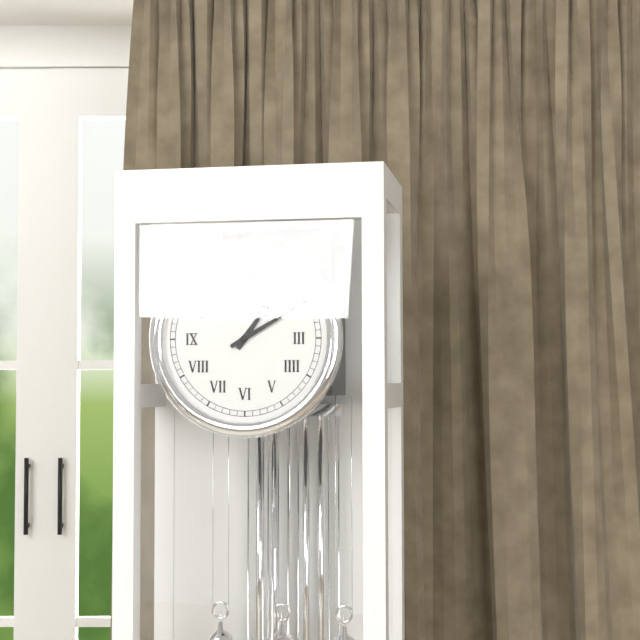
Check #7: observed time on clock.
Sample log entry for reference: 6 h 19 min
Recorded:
1 h 10 min
